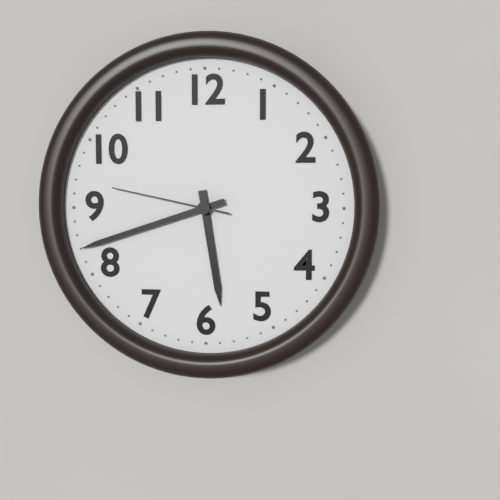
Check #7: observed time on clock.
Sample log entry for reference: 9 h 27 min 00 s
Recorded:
5 h 42 min 47 s
